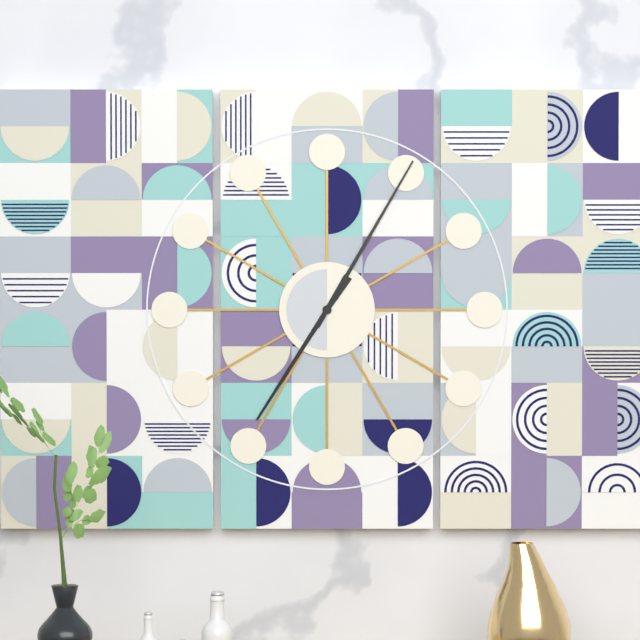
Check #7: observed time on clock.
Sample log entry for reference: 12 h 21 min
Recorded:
7 h 05 min
